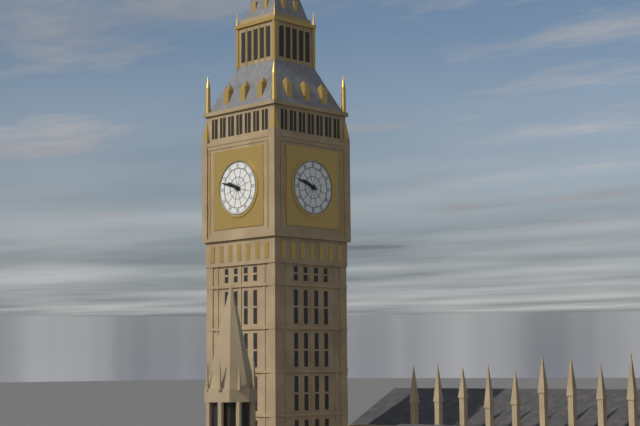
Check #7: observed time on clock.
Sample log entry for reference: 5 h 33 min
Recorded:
9 h 48 min
